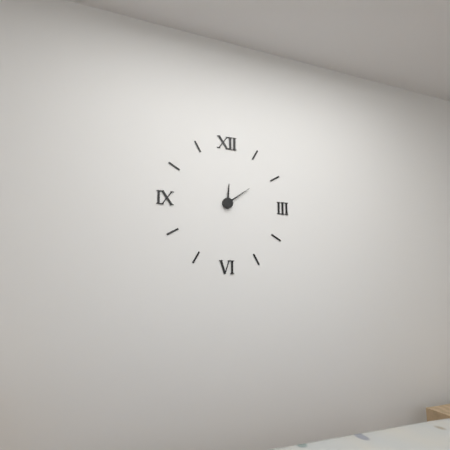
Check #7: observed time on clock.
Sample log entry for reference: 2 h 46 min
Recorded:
12 h 09 min
